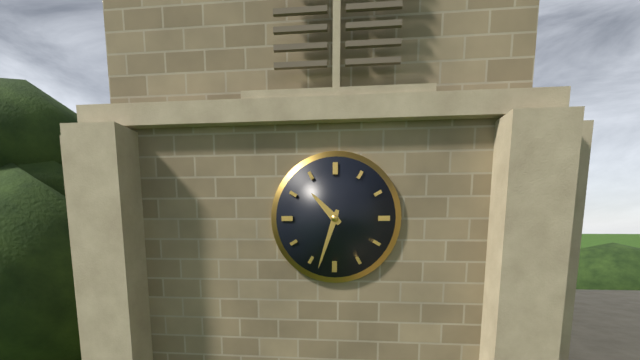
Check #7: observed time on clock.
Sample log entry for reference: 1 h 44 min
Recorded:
10 h 33 min
